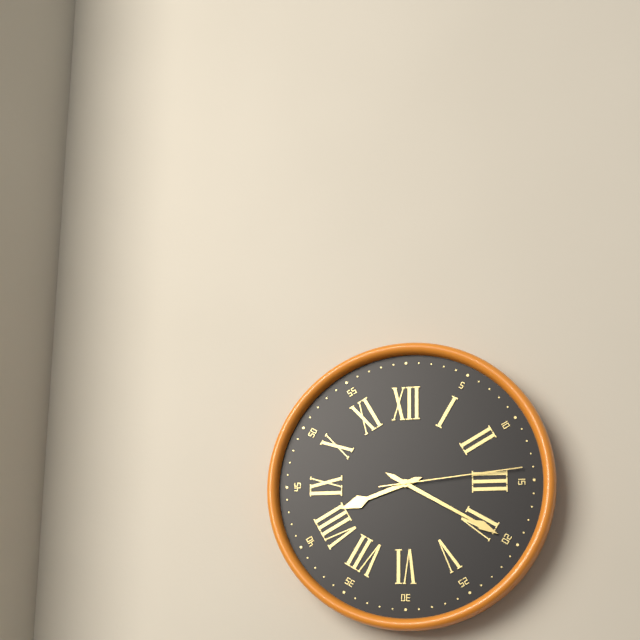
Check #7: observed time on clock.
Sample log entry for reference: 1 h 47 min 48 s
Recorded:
8 h 20 min 14 s
